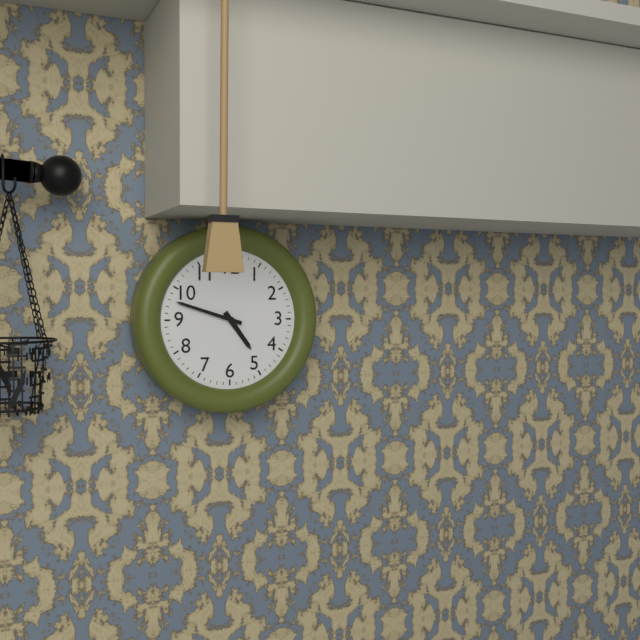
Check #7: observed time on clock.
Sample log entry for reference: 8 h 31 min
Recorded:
4 h 48 min
